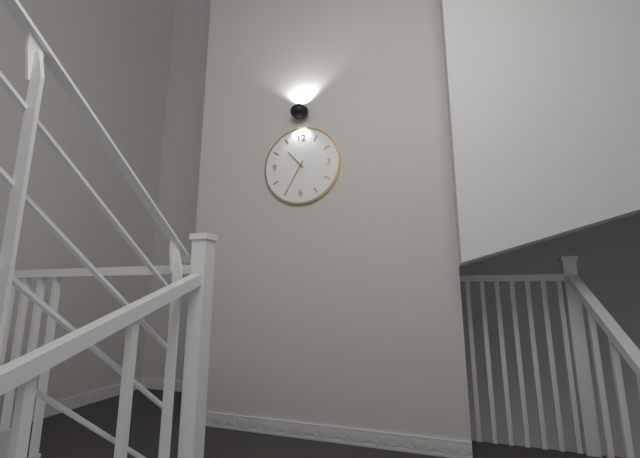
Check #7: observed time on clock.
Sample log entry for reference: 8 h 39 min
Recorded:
10 h 35 min
